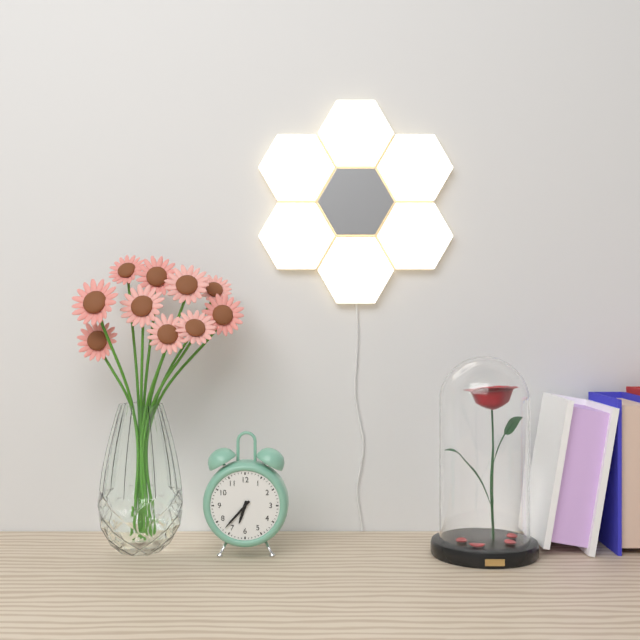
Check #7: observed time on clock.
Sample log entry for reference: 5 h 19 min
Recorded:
6 h 37 min
